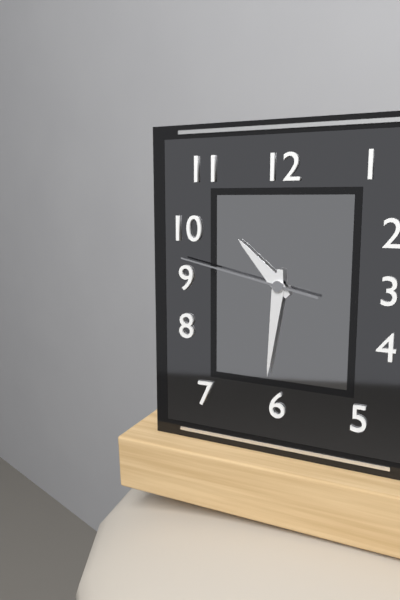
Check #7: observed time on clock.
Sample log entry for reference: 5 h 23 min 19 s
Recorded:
10 h 31 min 47 s
